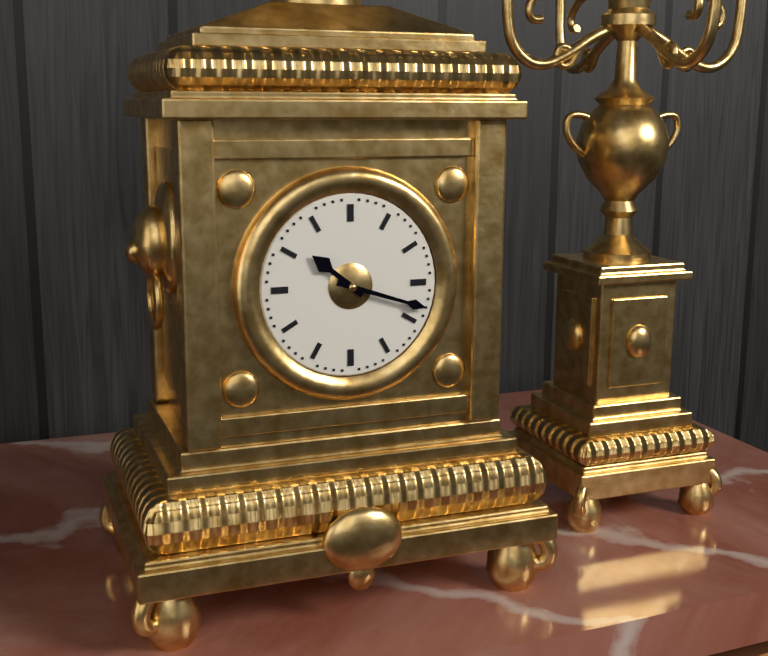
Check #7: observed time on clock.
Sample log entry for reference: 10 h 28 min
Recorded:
10 h 18 min
